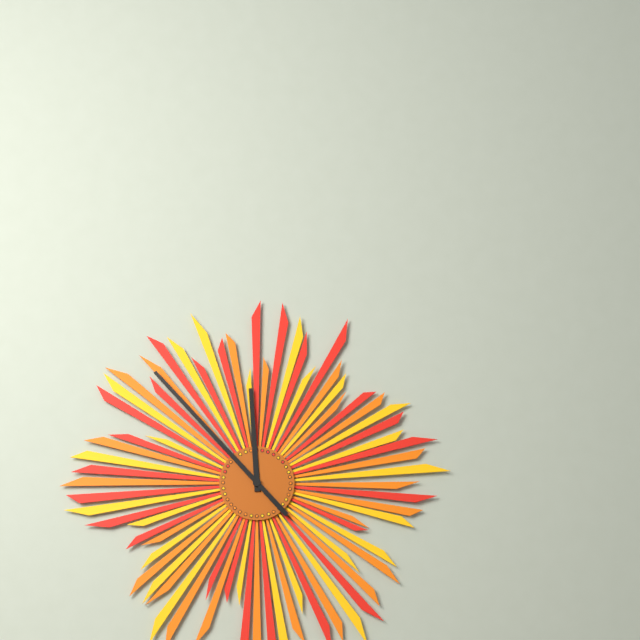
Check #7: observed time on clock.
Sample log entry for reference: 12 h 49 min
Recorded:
11 h 53 min
